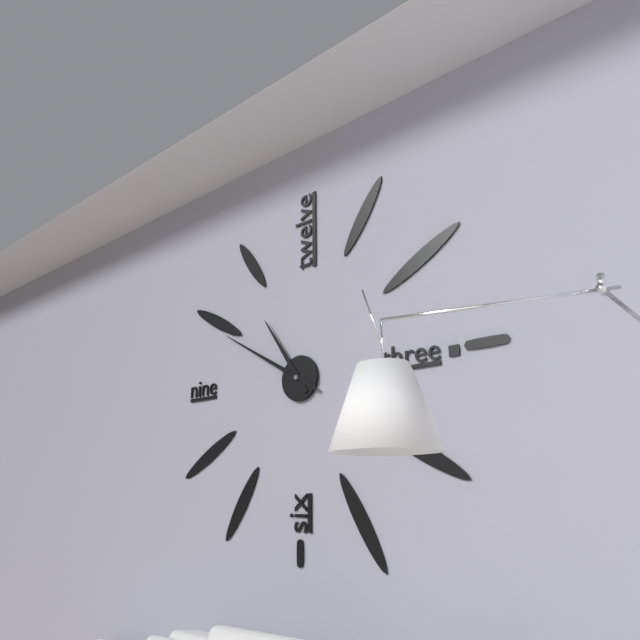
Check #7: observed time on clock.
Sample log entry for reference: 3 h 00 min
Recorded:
10 h 50 min
